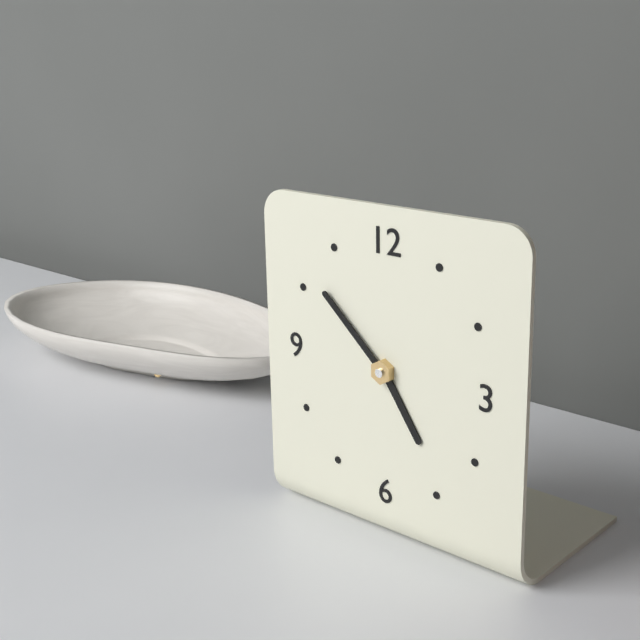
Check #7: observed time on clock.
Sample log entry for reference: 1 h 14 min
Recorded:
4 h 52 min
